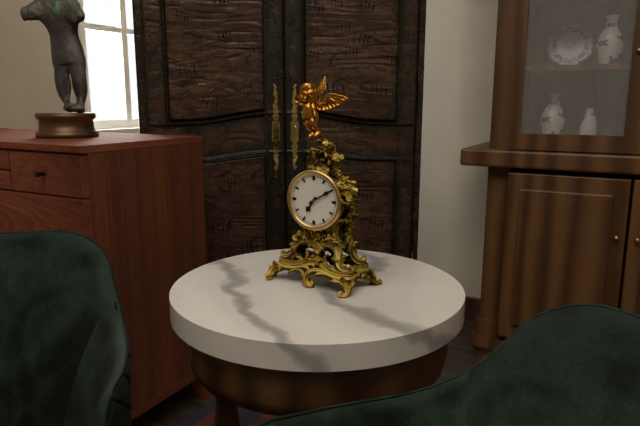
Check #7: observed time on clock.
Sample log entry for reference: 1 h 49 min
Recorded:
7 h 10 min
